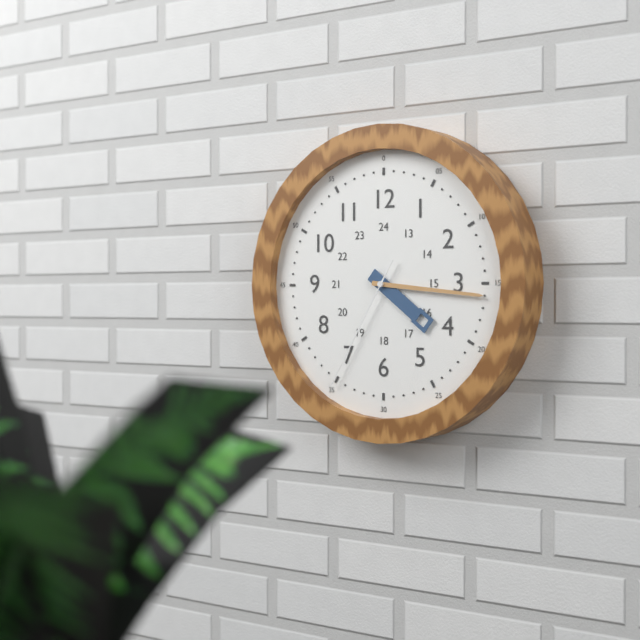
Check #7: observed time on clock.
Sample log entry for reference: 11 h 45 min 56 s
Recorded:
4 h 16 min 35 s
